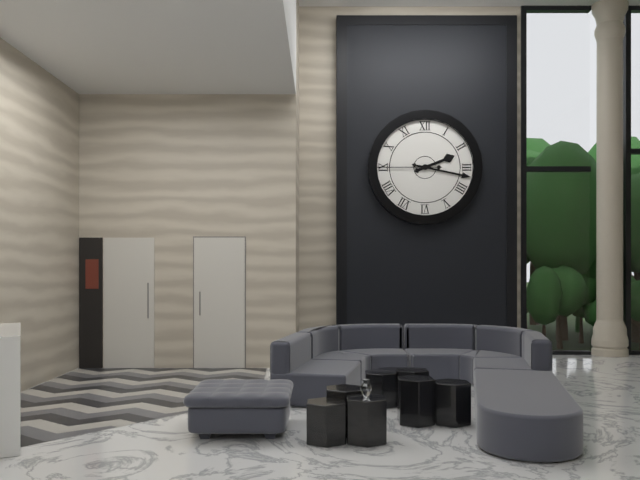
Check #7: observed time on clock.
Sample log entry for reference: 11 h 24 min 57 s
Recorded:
2 h 17 min 45 s
